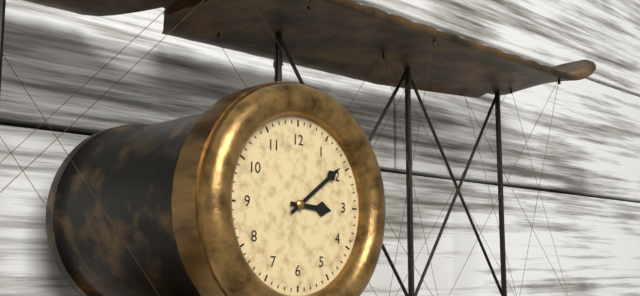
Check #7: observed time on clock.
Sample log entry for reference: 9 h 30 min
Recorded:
3 h 09 min
